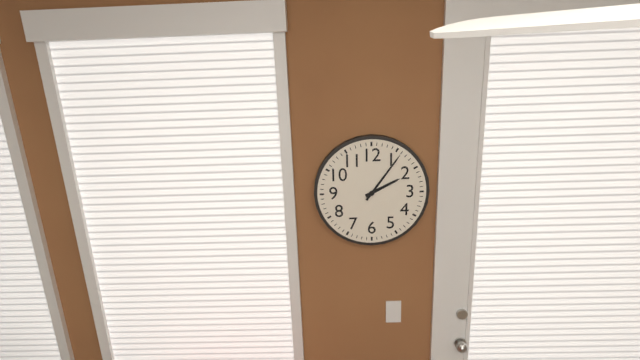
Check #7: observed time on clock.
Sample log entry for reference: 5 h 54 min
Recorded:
2 h 06 min
